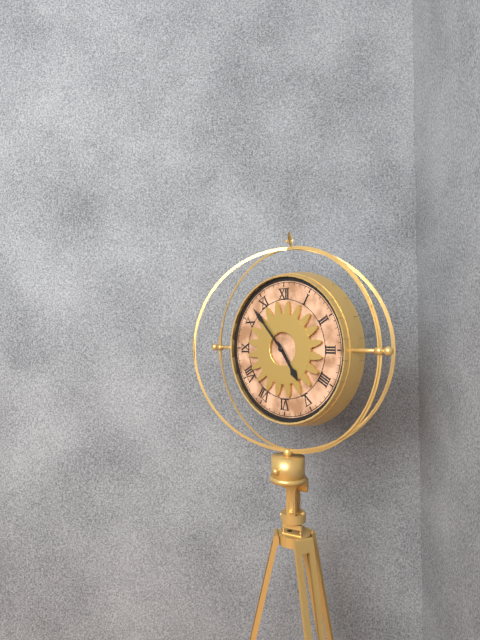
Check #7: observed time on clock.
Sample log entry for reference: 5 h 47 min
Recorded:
4 h 53 min
